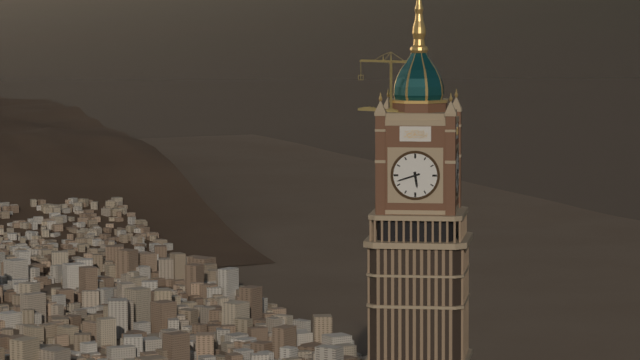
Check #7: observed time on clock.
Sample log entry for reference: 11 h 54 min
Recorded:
5 h 42 min
